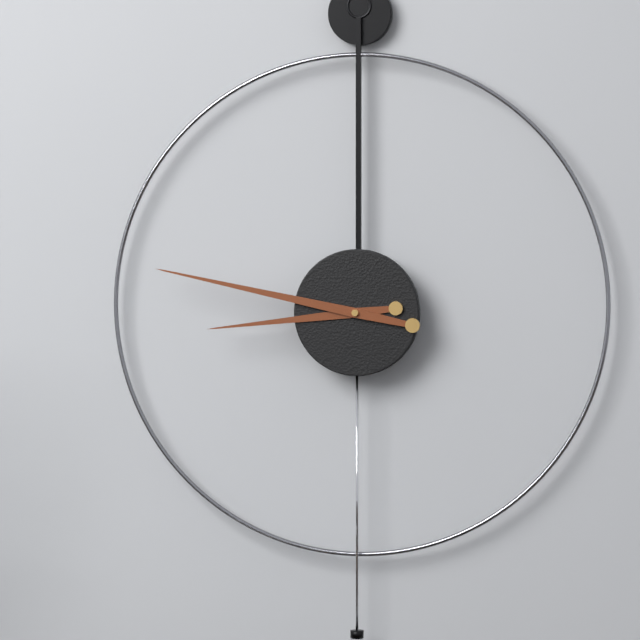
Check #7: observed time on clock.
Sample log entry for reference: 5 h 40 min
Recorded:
8 h 47 min
